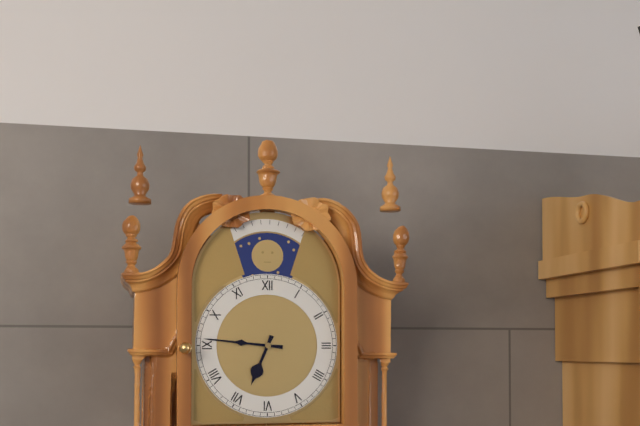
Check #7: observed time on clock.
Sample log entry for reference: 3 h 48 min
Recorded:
6 h 46 min
